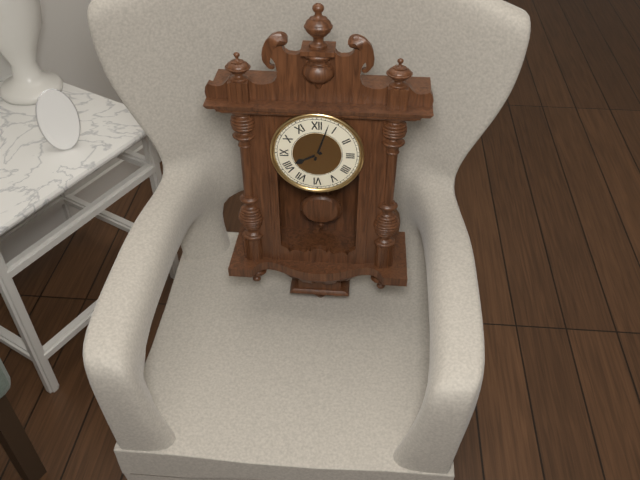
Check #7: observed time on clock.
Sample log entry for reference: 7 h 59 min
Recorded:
8 h 03 min
